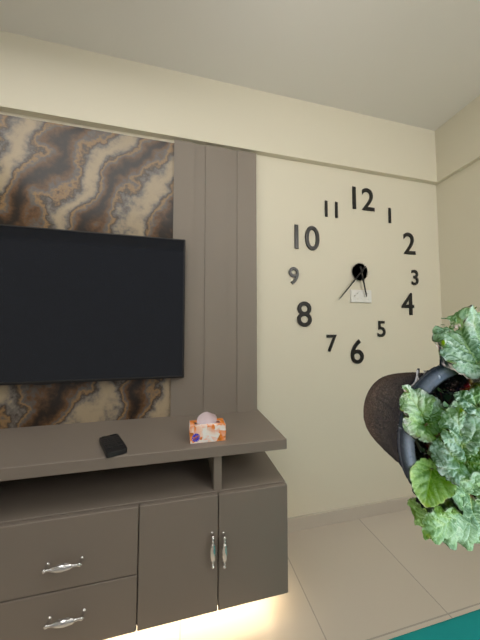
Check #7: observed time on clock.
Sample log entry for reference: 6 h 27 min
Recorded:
5 h 37 min
